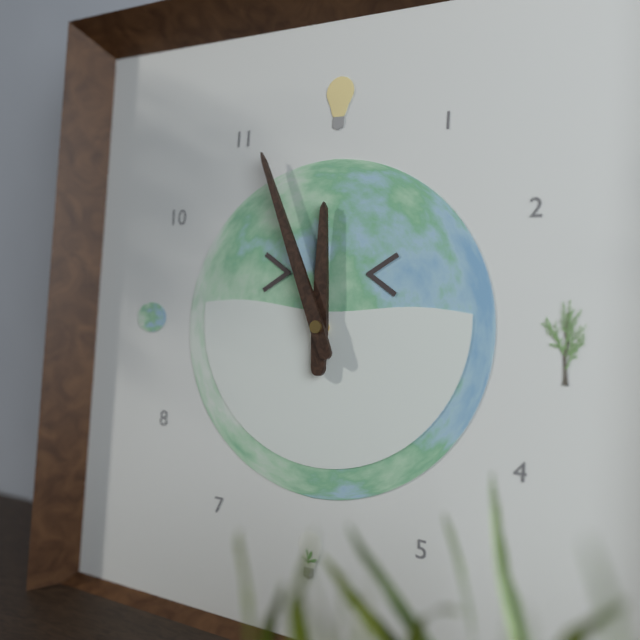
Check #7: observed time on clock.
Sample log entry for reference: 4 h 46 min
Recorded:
11 h 56 min
